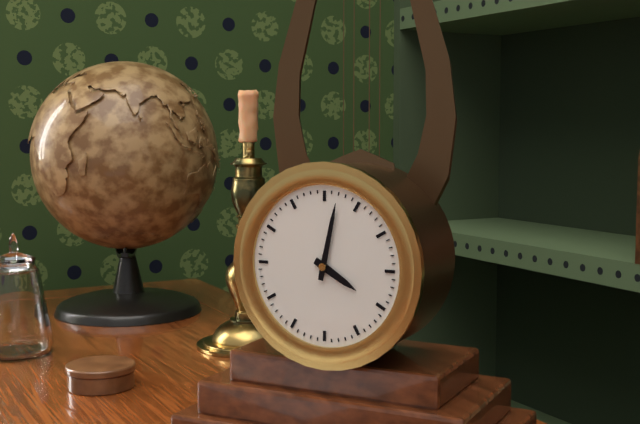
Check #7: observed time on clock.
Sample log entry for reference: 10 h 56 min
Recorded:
4 h 02 min
